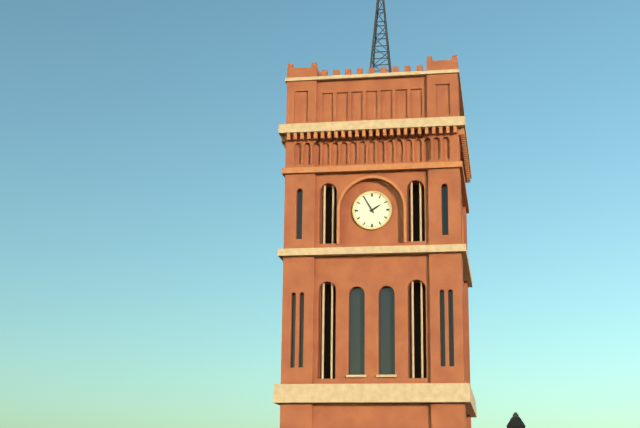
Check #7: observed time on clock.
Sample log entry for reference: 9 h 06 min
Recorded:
1 h 55 min
